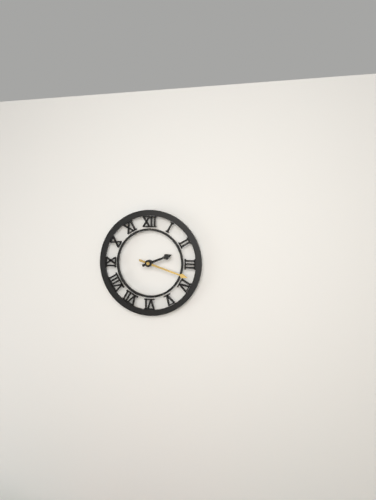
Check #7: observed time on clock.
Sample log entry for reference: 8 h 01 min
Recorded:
2 h 18 min
